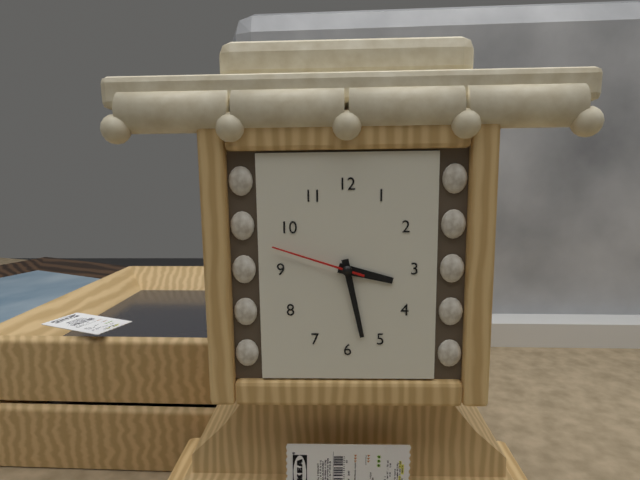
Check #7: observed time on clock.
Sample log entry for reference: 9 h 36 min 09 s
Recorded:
3 h 28 min 48 s
